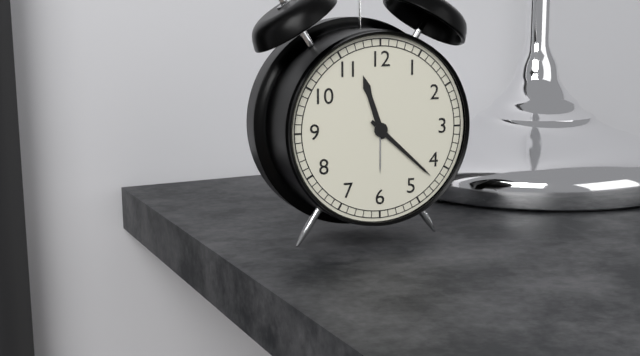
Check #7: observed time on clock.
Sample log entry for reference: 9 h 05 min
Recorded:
11 h 22 min
